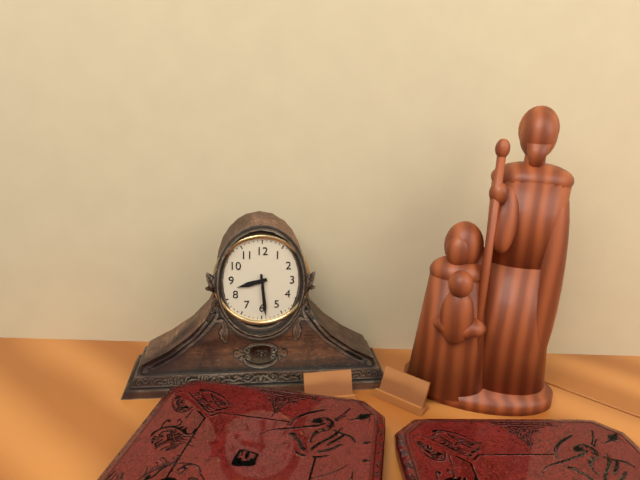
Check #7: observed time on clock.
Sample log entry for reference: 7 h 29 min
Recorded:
8 h 29 min
